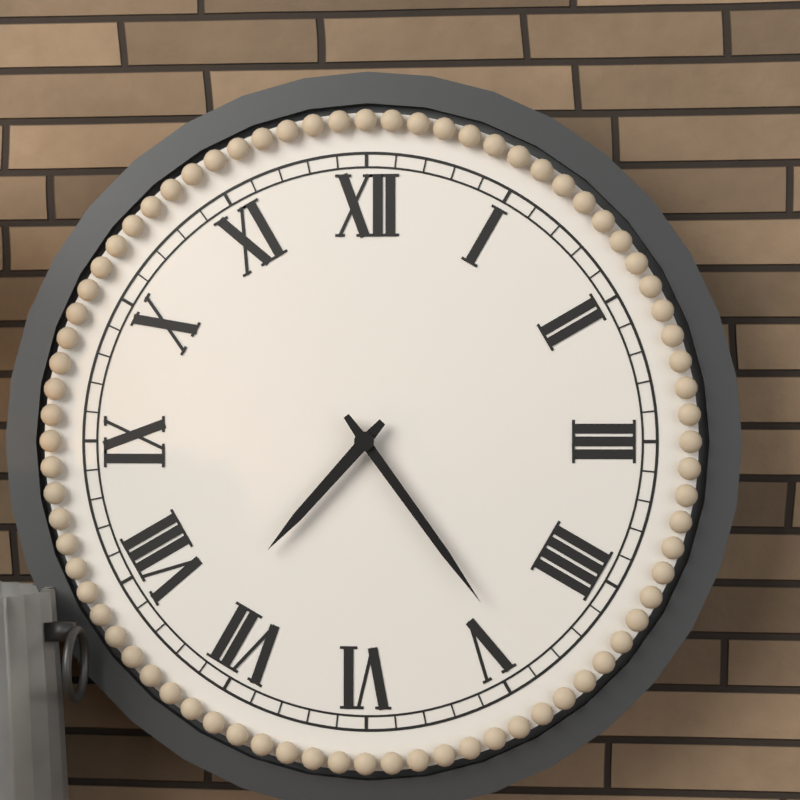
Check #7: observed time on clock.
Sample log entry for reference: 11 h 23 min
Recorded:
7 h 24 min
